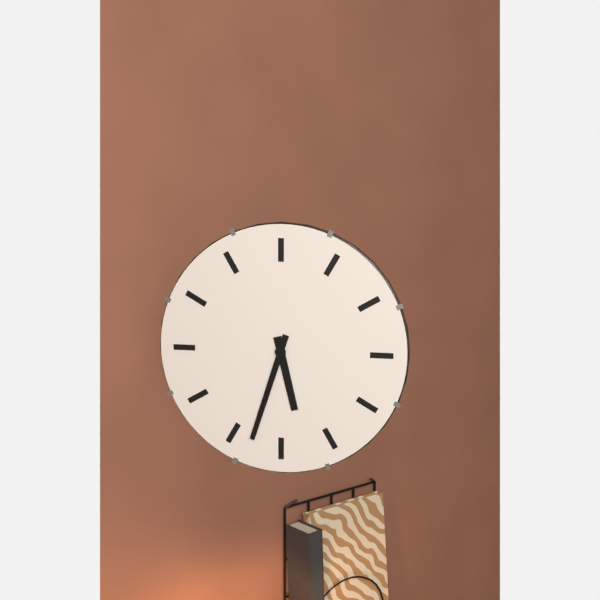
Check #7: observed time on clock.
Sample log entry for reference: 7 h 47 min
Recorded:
5 h 33 min
